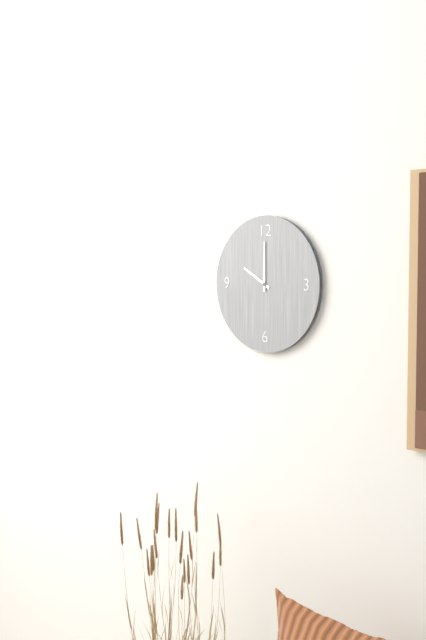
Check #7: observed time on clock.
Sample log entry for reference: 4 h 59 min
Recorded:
10 h 00 min
